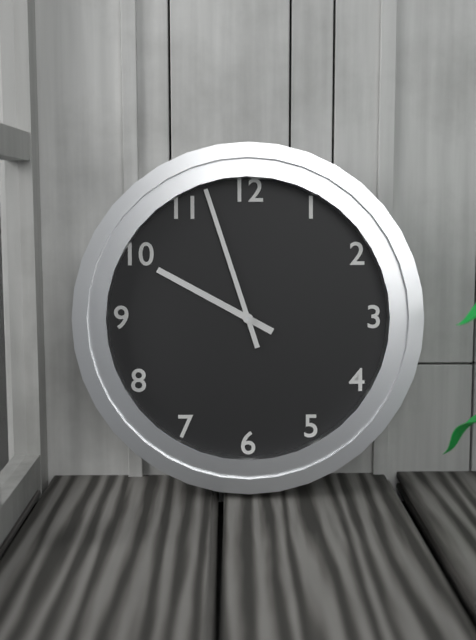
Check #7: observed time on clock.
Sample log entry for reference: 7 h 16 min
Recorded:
9 h 57 min
